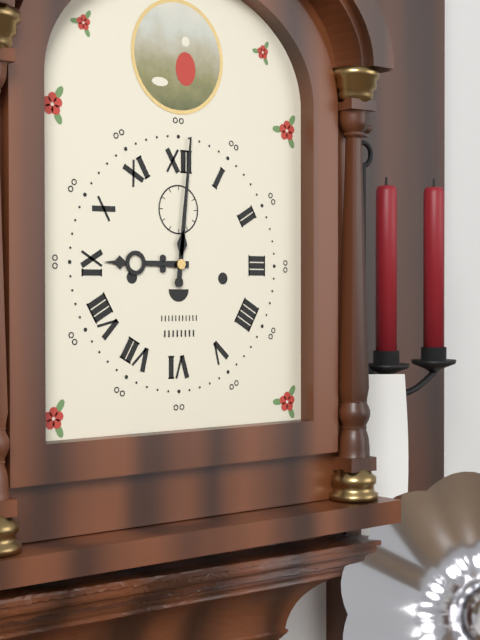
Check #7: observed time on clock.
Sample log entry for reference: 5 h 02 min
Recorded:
9 h 01 min
